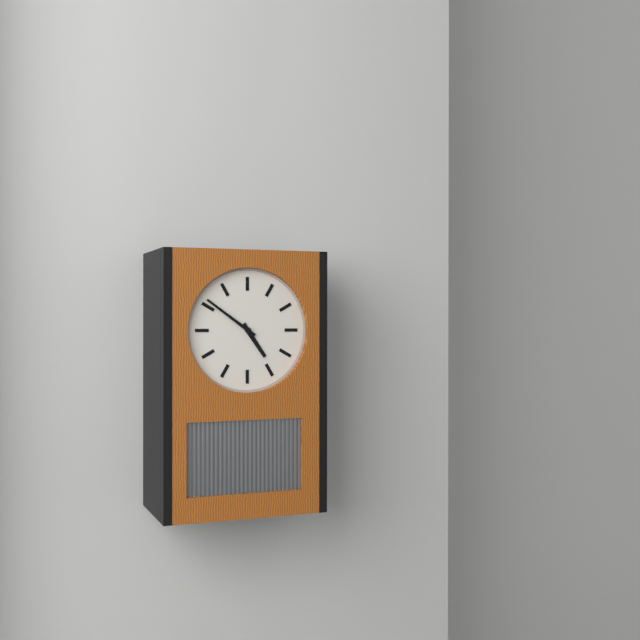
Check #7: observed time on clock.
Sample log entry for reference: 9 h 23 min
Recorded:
4 h 51 min
